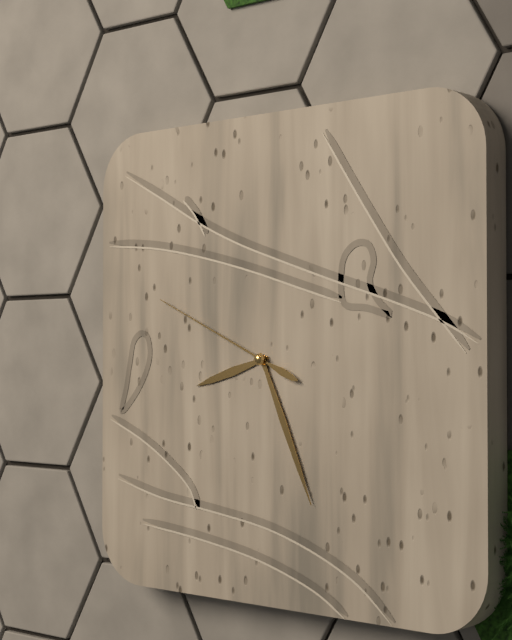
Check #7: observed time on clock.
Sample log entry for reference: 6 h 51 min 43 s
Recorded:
8 h 26 min 49 s
